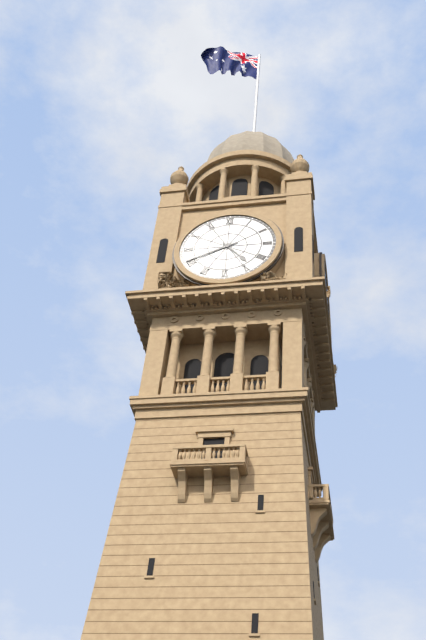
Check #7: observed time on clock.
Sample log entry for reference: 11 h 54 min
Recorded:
4 h 41 min
